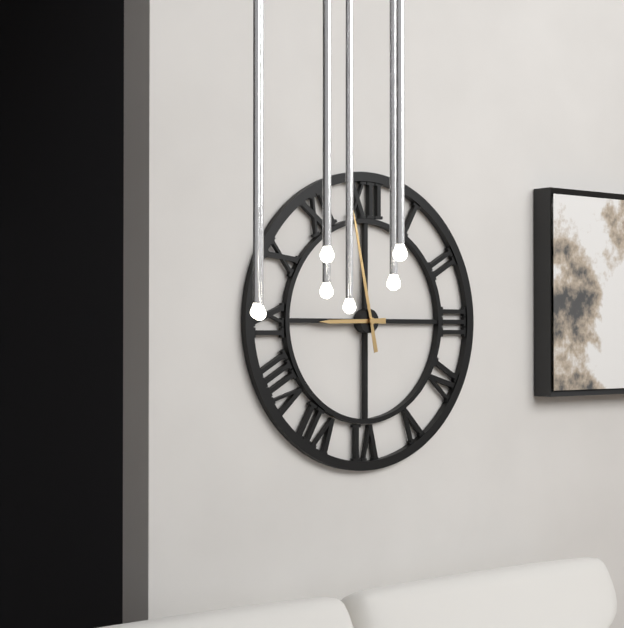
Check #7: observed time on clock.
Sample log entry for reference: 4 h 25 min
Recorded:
8 h 58 min
